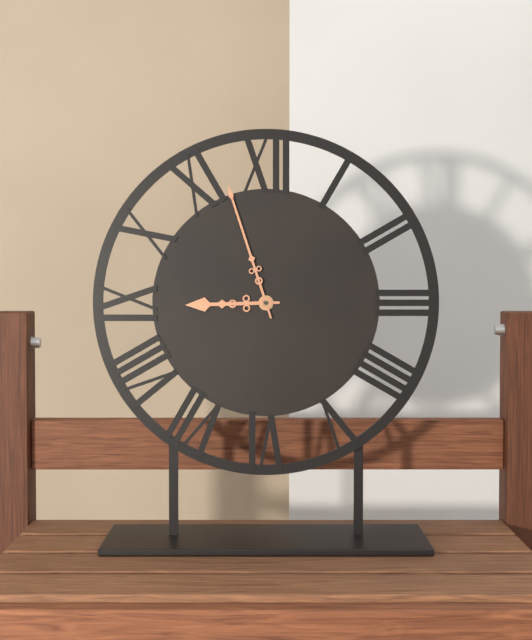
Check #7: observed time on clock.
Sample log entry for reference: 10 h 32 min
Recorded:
8 h 57 min
